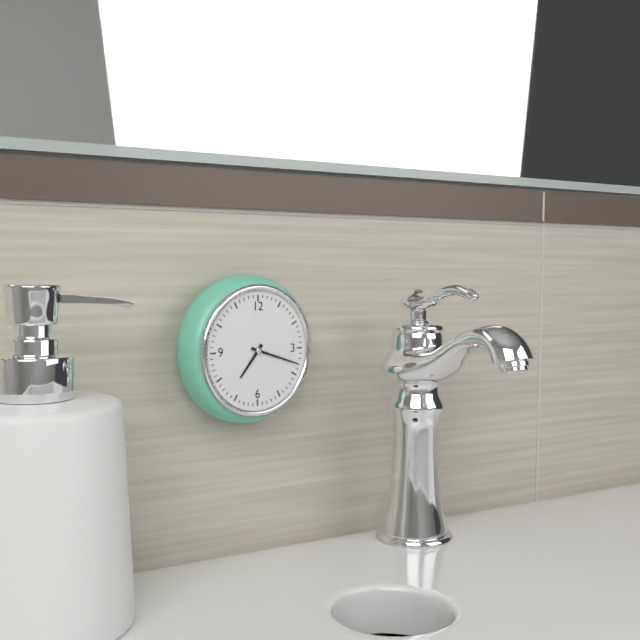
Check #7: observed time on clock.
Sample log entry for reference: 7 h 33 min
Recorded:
7 h 18 min
